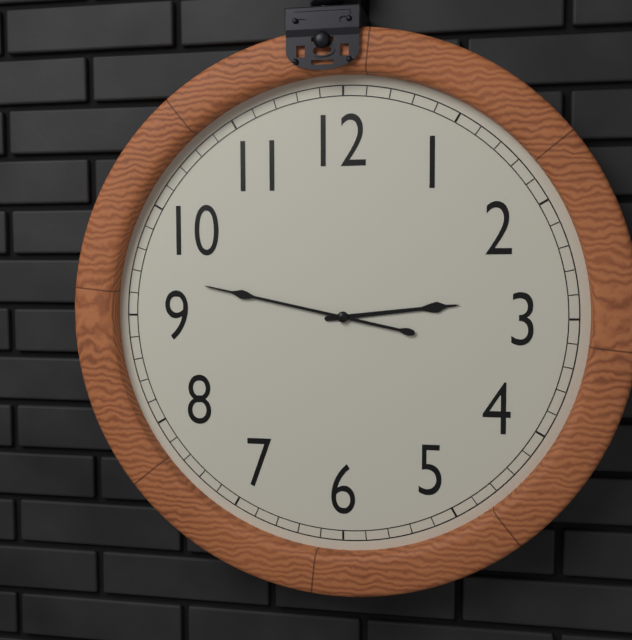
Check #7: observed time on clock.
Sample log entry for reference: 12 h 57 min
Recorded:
2 h 47 min
